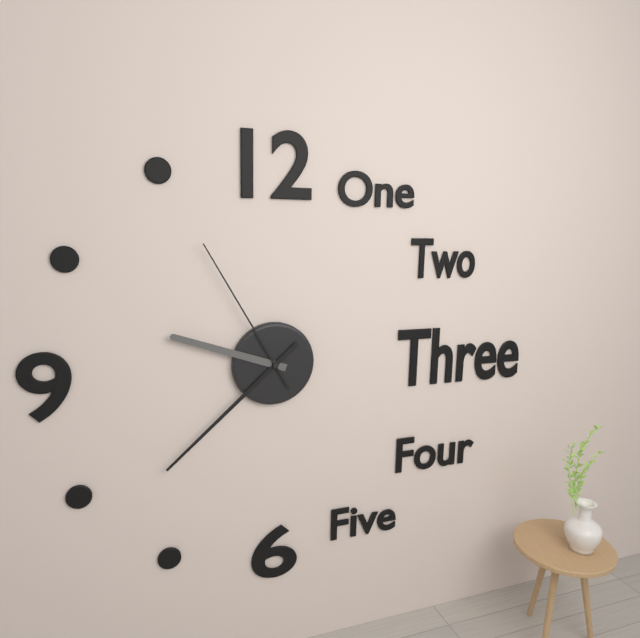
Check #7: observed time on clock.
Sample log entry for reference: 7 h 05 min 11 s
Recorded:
9 h 38 min 55 s
